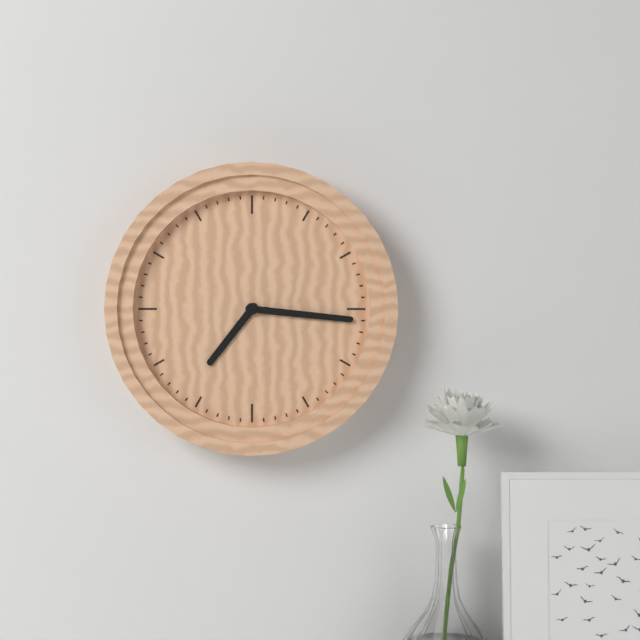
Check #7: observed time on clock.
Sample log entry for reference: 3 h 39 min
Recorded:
7 h 16 min
